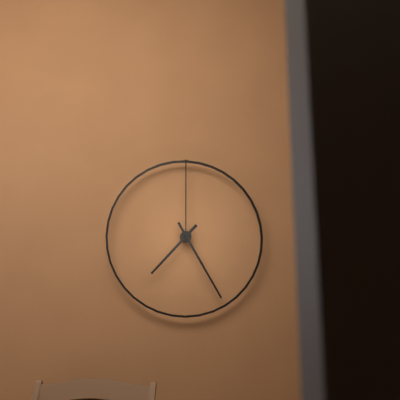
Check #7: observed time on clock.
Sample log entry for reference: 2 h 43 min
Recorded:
7 h 25 min
